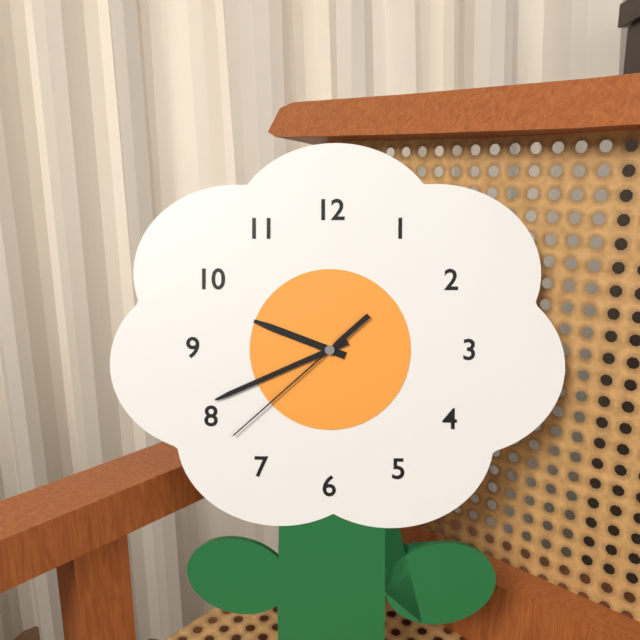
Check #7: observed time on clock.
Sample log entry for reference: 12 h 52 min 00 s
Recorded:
9 h 41 min 38 s
